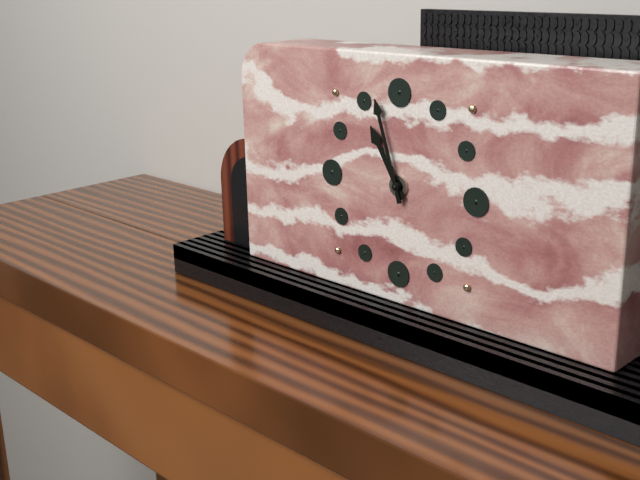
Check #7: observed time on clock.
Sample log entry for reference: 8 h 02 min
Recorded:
10 h 57 min
